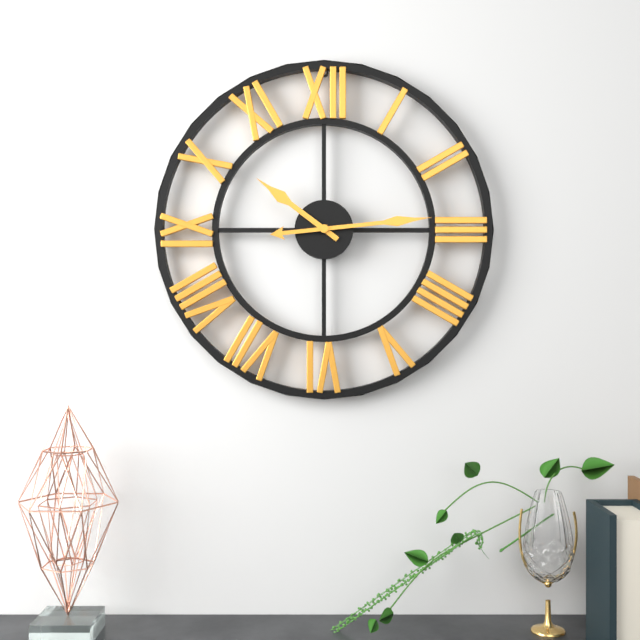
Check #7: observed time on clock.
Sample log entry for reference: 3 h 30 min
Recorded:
10 h 14 min
